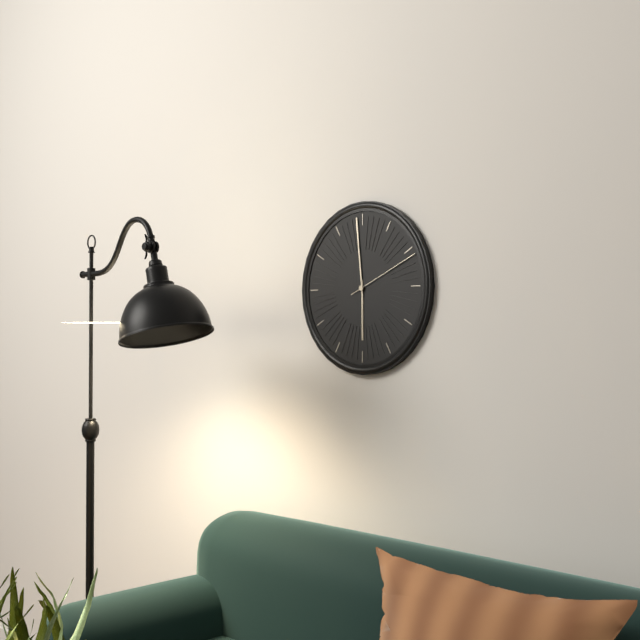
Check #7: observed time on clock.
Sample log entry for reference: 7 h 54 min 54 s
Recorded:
5 h 59 min 11 s
